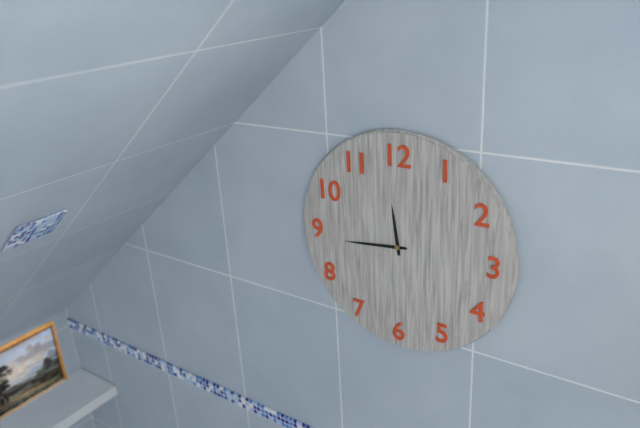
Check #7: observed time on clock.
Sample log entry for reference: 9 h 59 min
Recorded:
11 h 44 min
